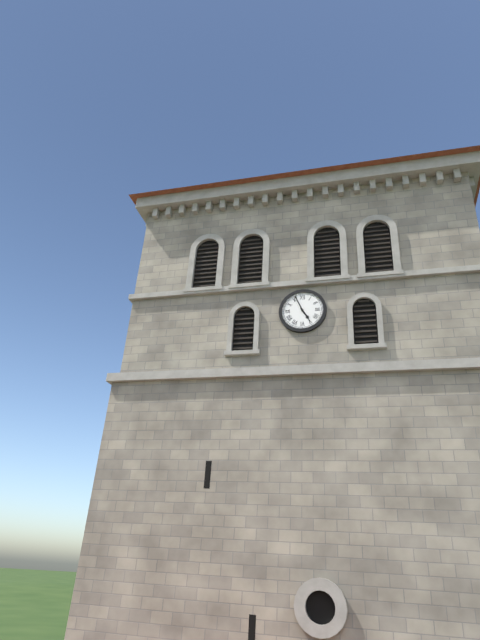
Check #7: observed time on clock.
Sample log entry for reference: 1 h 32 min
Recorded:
4 h 56 min
